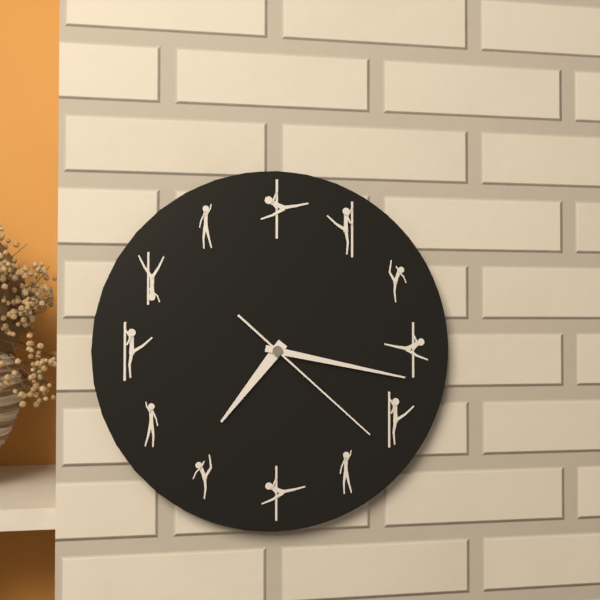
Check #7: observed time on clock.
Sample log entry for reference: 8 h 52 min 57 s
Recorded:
7 h 17 min 22 s
